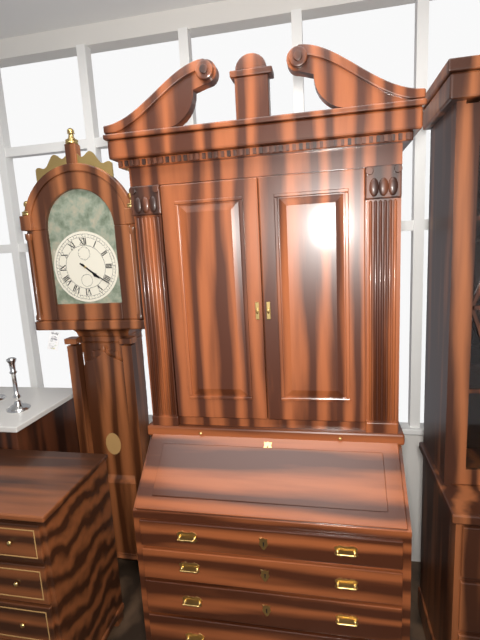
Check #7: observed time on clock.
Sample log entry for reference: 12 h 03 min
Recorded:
4 h 21 min
